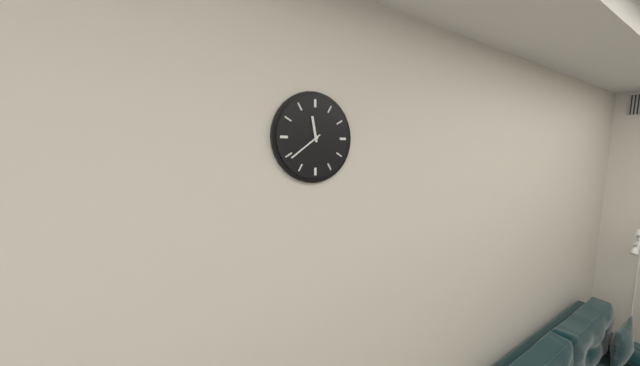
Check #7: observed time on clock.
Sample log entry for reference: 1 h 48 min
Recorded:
11 h 39 min
